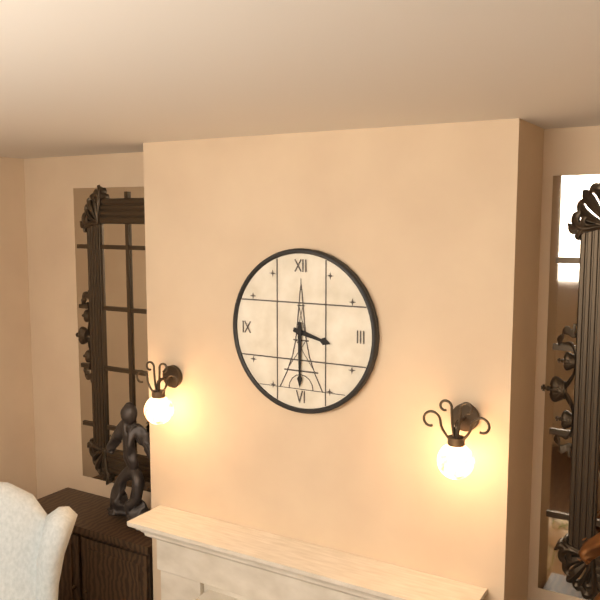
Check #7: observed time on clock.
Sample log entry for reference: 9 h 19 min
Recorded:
3 h 30 min
